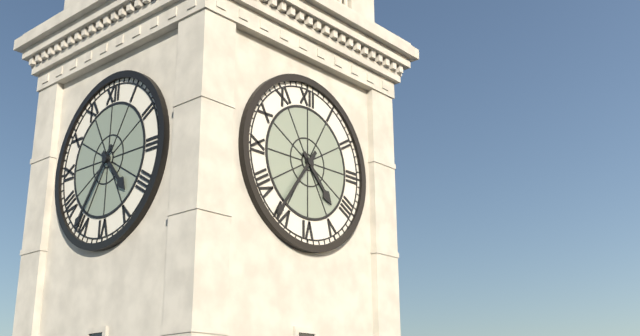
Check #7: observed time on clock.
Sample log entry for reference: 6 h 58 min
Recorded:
4 h 36 min
